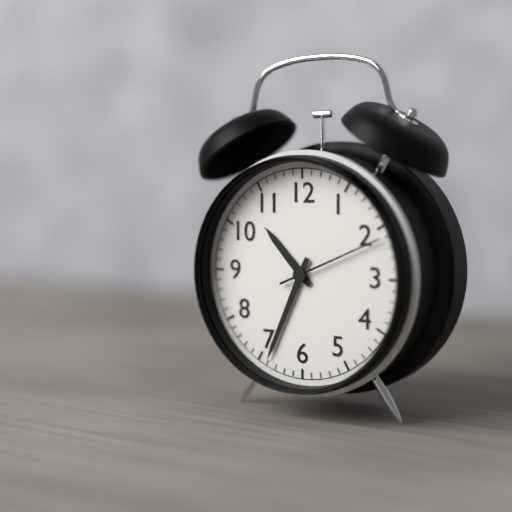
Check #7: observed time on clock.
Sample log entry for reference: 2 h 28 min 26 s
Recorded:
10 h 34 min 11 s
